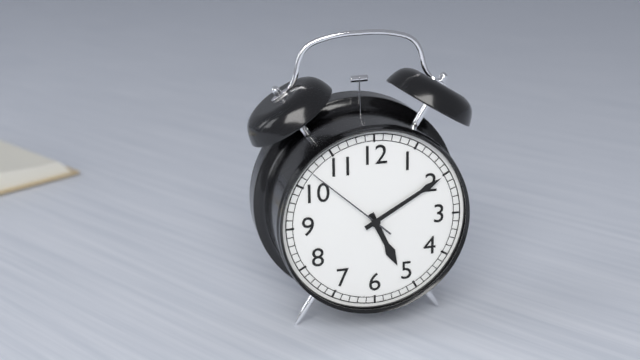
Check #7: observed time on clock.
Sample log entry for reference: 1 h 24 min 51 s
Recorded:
5 h 10 min 52 s
